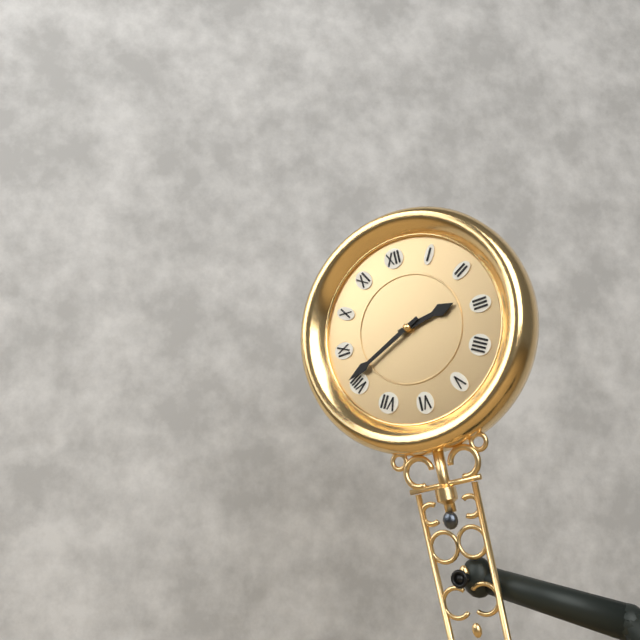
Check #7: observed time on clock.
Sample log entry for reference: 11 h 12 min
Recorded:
2 h 41 min
